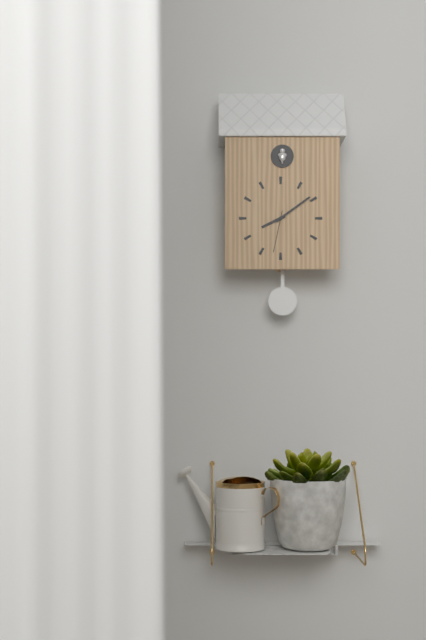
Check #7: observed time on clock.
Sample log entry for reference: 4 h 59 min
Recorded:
8 h 09 min
